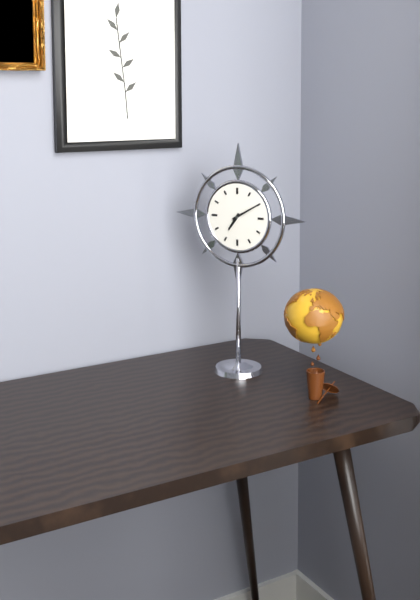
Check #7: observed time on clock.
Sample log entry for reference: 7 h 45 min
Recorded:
7 h 10 min
